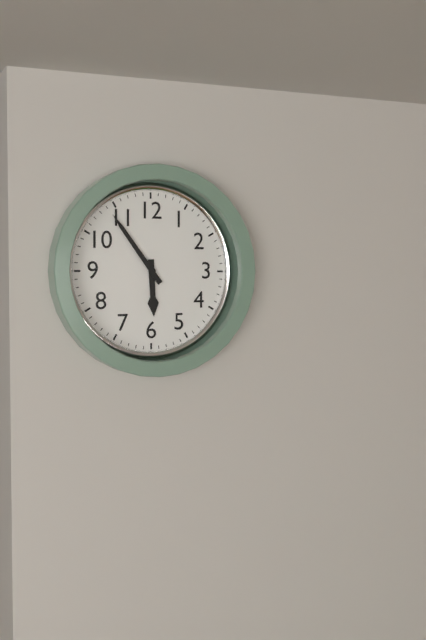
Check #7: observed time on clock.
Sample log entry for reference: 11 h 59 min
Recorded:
5 h 54 min
